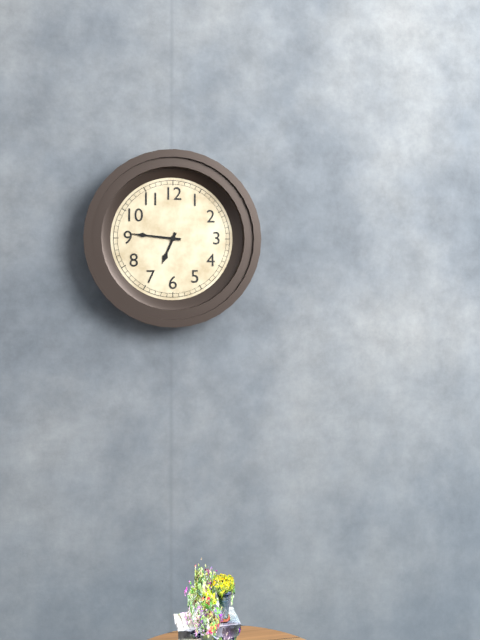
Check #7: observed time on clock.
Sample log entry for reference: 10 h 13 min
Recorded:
6 h 46 min
